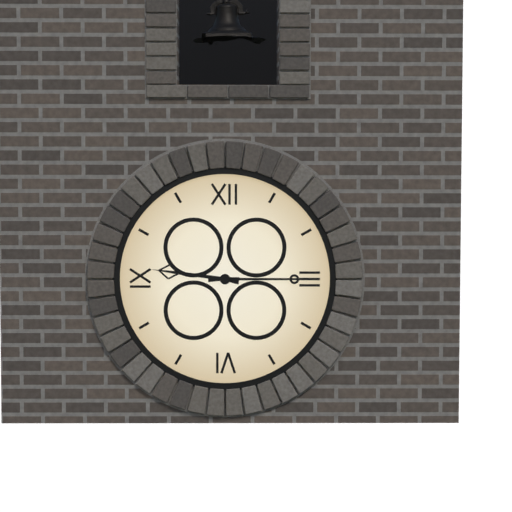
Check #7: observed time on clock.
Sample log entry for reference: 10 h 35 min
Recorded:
9 h 15 min
